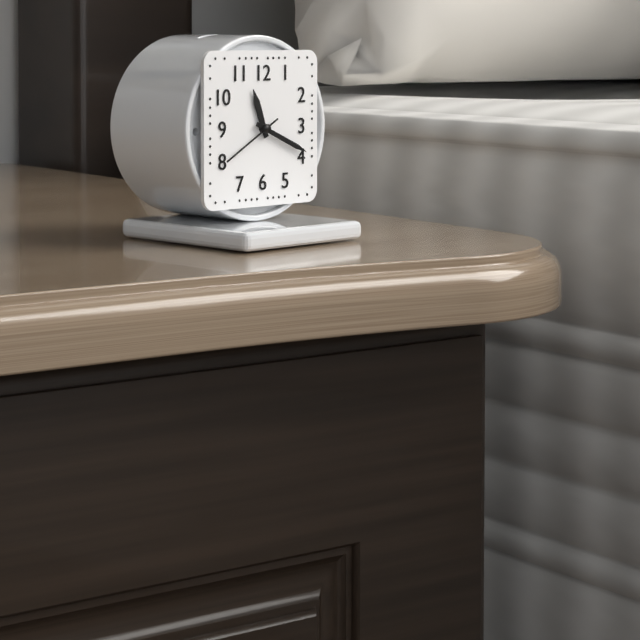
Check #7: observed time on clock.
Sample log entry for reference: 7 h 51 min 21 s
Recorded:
11 h 19 min 40 s
